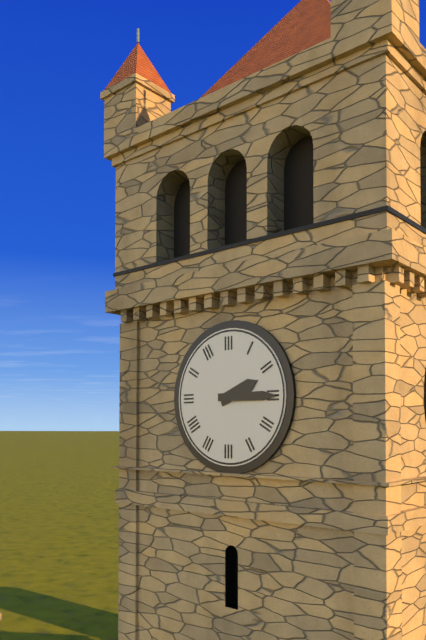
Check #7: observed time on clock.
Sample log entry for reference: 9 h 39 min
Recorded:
2 h 15 min
